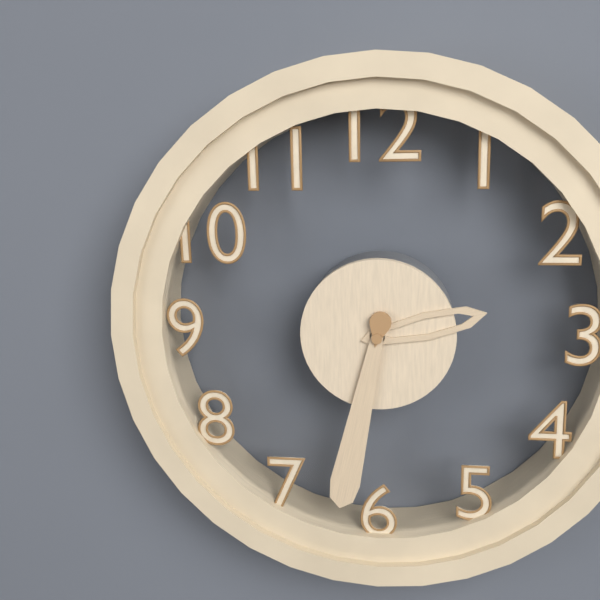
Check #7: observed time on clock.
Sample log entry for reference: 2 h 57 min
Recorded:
2 h 32 min
